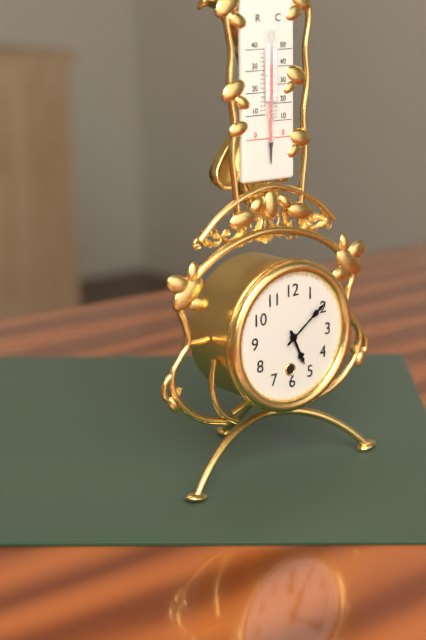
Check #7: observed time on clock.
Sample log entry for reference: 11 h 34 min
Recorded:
5 h 09 min
